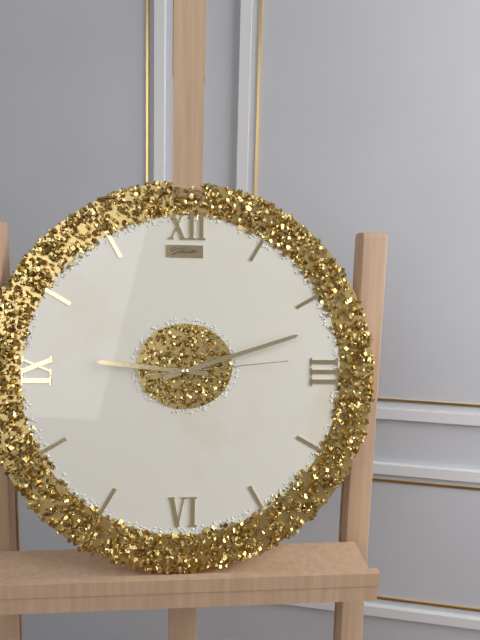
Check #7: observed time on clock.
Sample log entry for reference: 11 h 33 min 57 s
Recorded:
9 h 12 min 14 s
